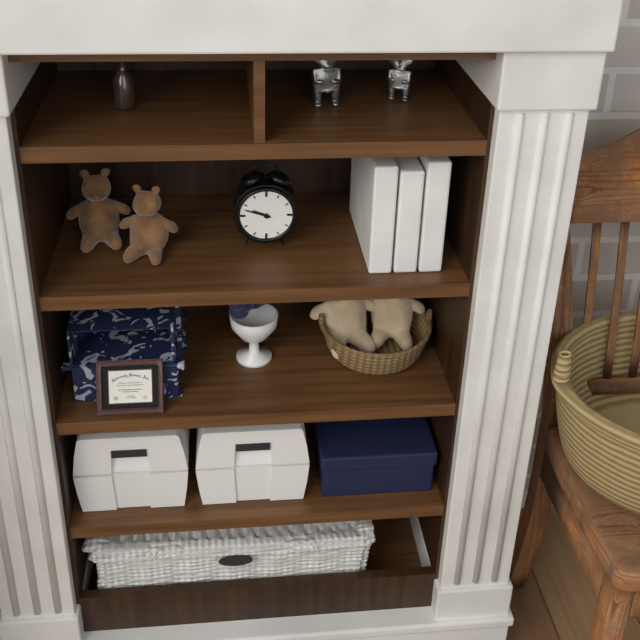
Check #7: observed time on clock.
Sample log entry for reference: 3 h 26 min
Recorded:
9 h 48 min
